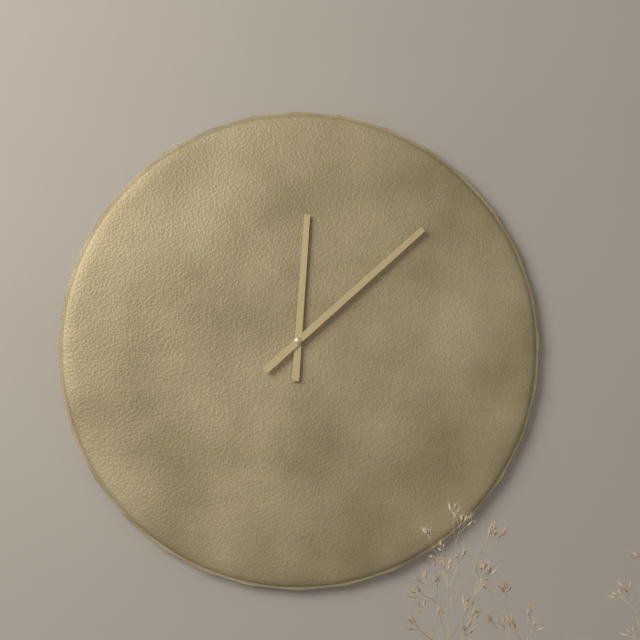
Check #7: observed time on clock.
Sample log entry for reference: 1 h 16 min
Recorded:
12 h 08 min
